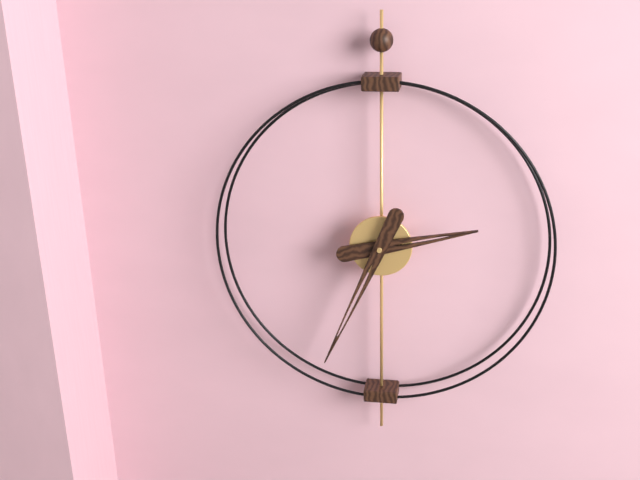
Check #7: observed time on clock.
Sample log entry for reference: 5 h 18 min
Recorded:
2 h 34 min
